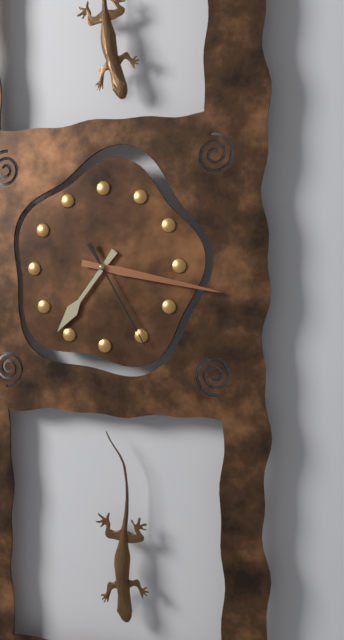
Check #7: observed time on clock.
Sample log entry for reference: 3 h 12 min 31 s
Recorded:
7 h 17 min 25 s
